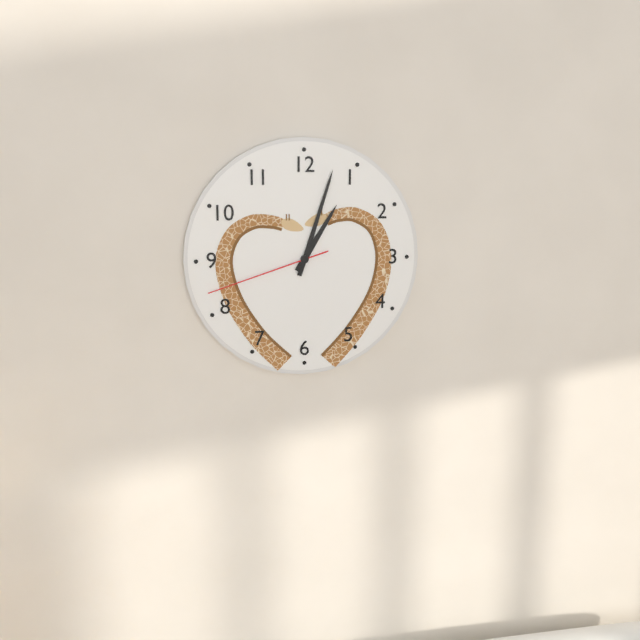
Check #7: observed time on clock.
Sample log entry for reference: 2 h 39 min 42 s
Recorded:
1 h 03 min 42 s
